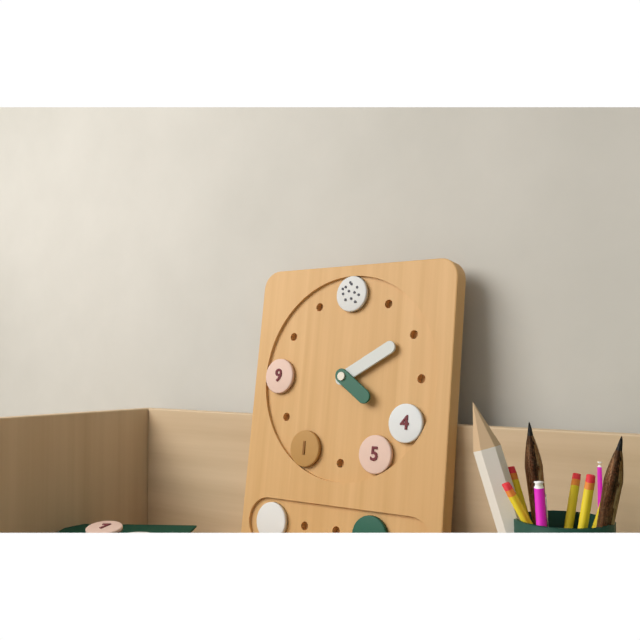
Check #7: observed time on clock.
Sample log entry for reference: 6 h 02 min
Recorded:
4 h 10 min
